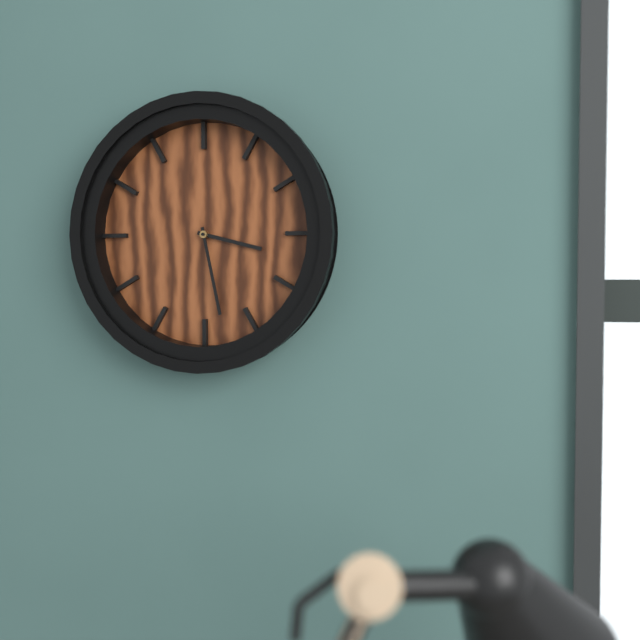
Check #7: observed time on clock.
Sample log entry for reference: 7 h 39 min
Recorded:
3 h 28 min
